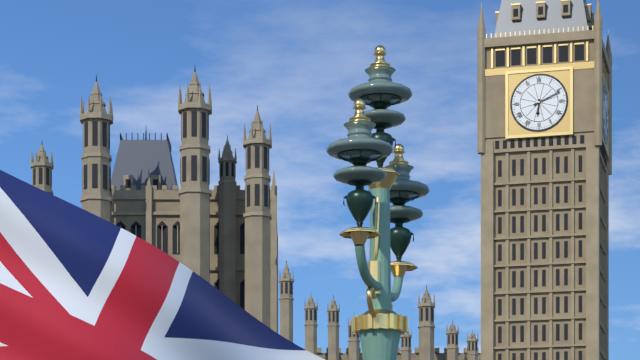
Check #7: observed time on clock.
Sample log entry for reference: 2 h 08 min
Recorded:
6 h 11 min
